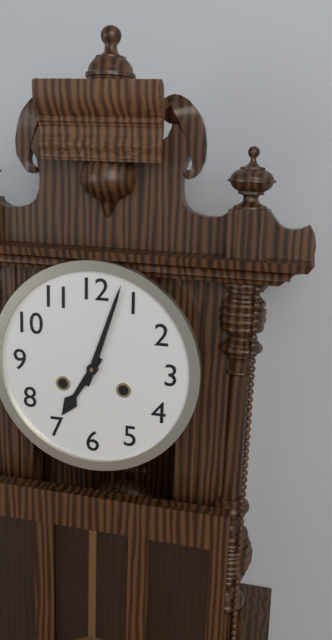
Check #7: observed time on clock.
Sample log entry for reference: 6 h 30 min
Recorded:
7 h 03 min
